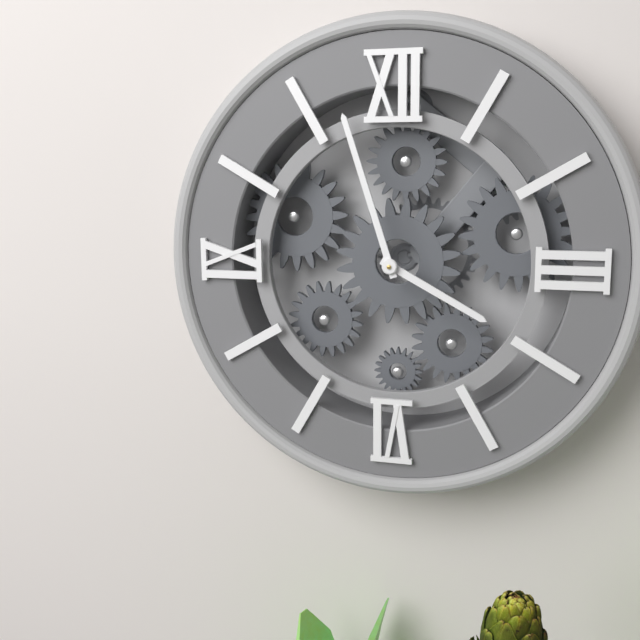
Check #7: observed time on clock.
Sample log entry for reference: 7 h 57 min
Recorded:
3 h 57 min
